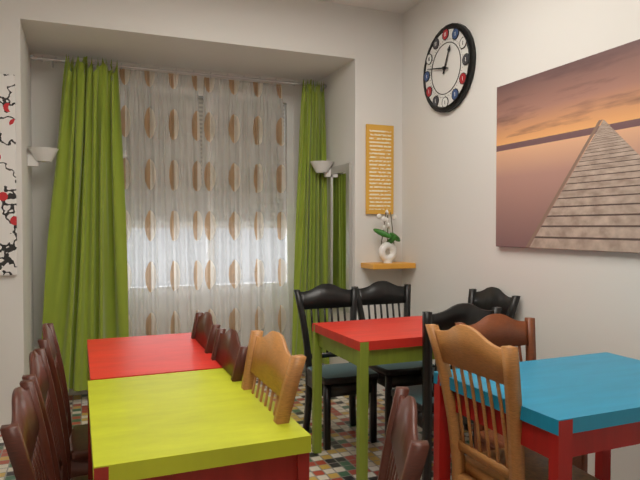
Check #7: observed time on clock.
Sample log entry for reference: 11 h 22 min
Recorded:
12 h 47 min
